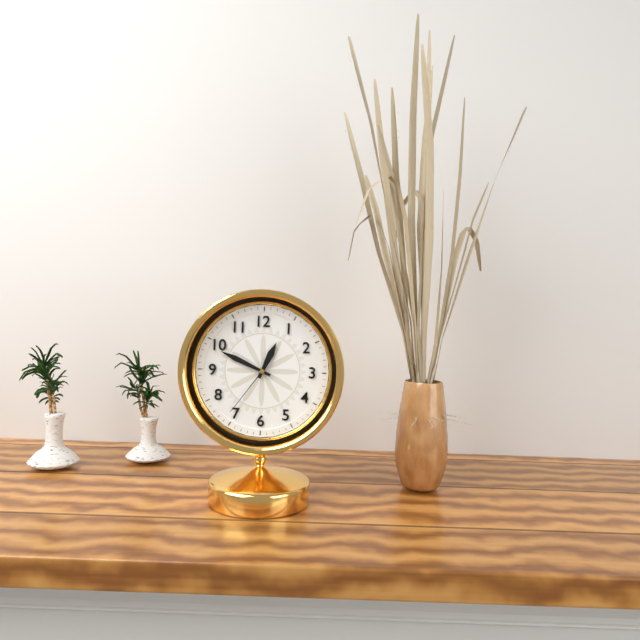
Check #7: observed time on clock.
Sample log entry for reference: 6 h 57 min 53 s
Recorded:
12 h 49 min 36 s
